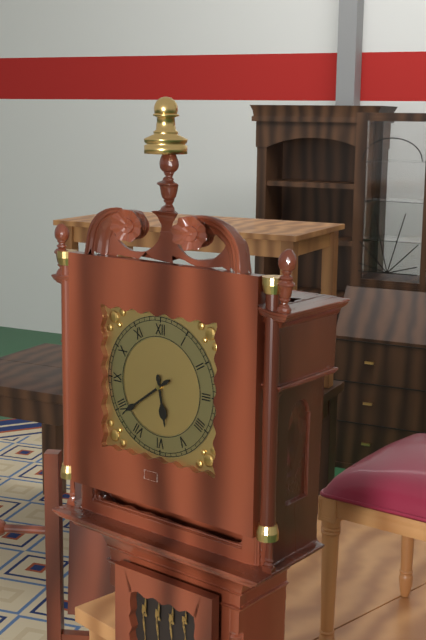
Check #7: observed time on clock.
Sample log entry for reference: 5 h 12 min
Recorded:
5 h 39 min
